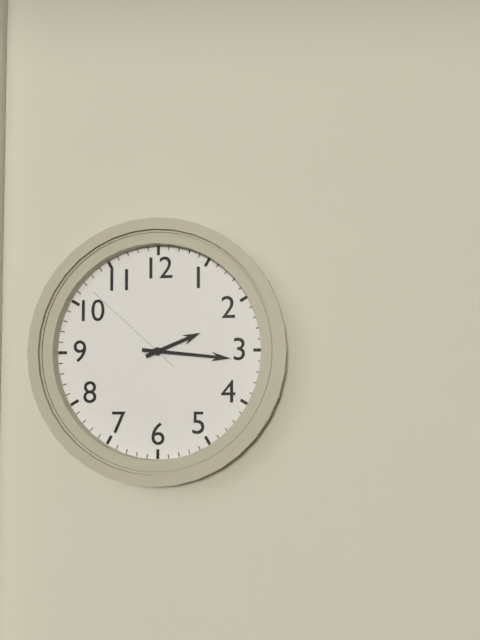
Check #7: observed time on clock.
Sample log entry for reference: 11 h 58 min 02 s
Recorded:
2 h 16 min 52 s
